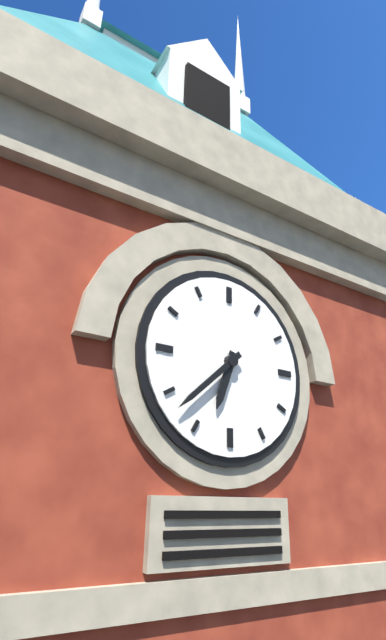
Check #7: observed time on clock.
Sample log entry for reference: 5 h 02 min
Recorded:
6 h 38 min
